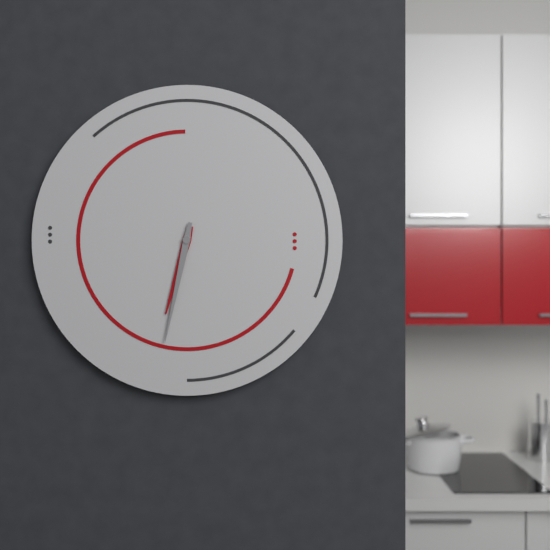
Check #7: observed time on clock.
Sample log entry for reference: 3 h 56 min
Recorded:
6 h 32 min
